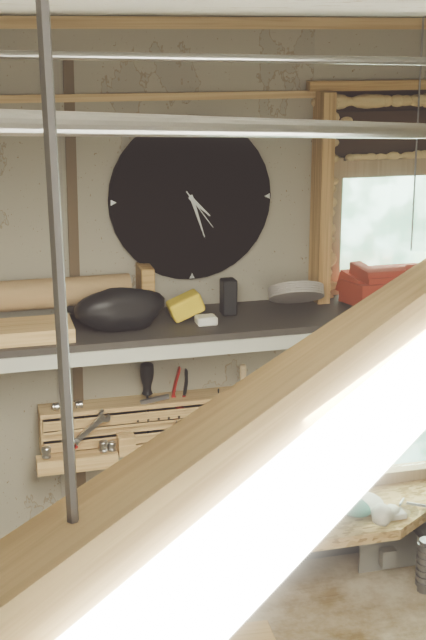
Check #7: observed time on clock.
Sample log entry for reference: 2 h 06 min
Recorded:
4 h 27 min
